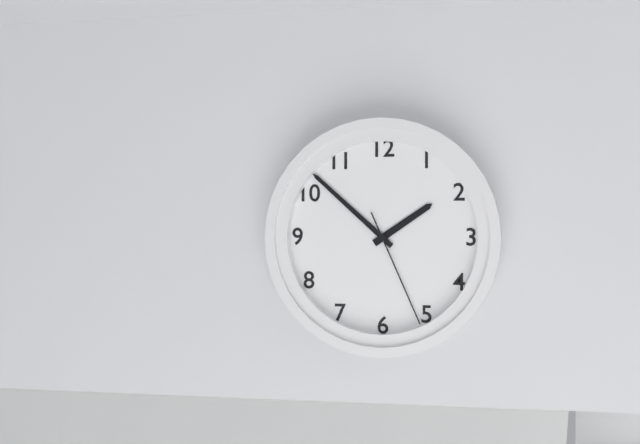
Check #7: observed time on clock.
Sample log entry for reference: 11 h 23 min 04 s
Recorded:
1 h 52 min 26 s
